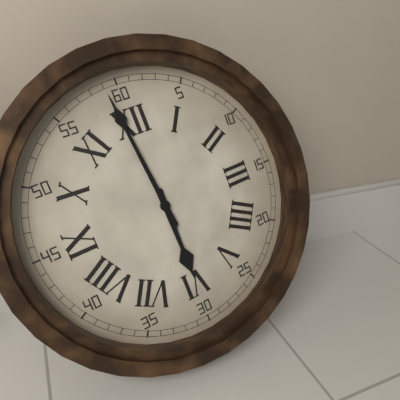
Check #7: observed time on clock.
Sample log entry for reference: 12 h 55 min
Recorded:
5 h 59 min
